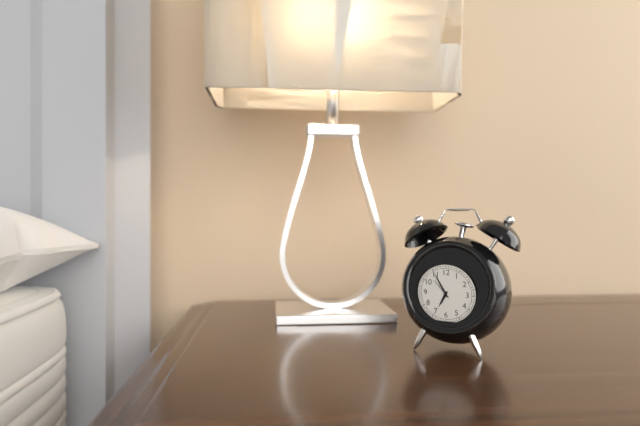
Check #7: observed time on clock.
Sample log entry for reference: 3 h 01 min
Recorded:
6 h 55 min
